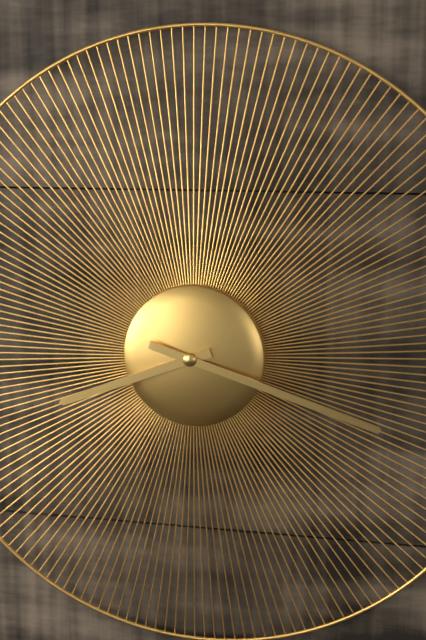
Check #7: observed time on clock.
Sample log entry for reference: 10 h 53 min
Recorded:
8 h 18 min
